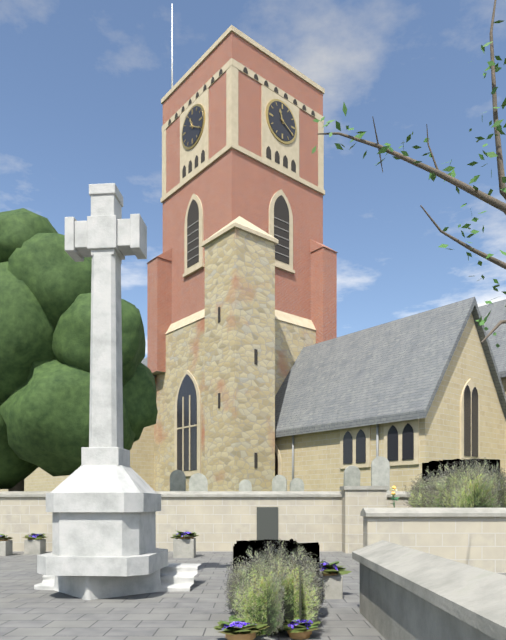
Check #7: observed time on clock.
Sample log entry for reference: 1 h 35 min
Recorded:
11 h 20 min
